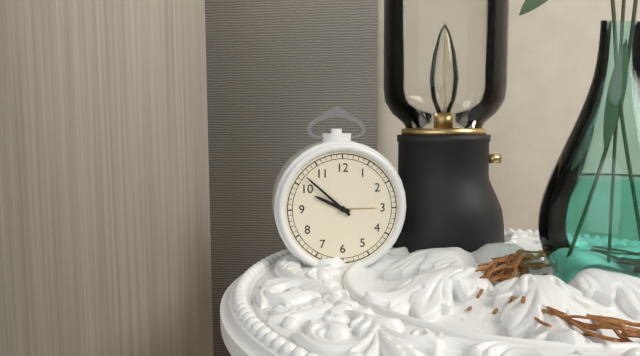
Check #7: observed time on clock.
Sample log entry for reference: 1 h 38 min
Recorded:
9 h 52 min
